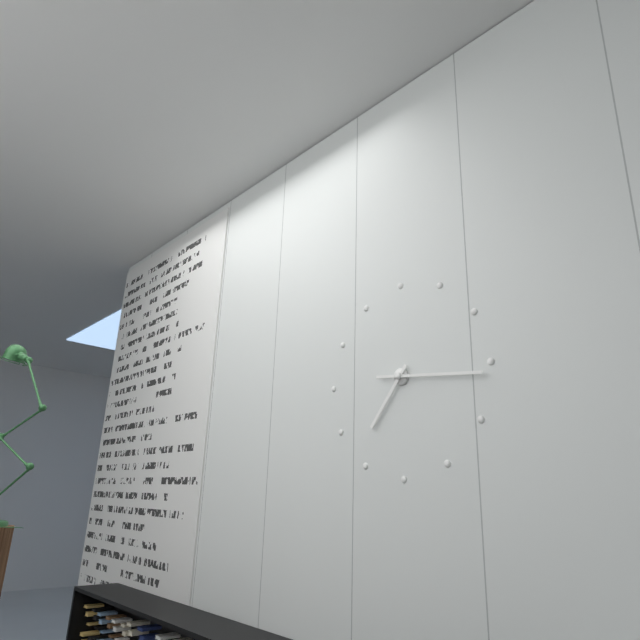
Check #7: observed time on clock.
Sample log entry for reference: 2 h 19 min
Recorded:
7 h 16 min
